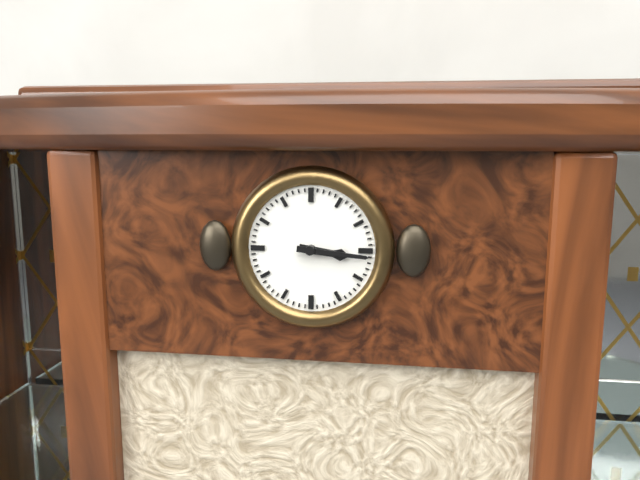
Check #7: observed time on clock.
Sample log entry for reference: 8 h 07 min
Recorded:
3 h 16 min
